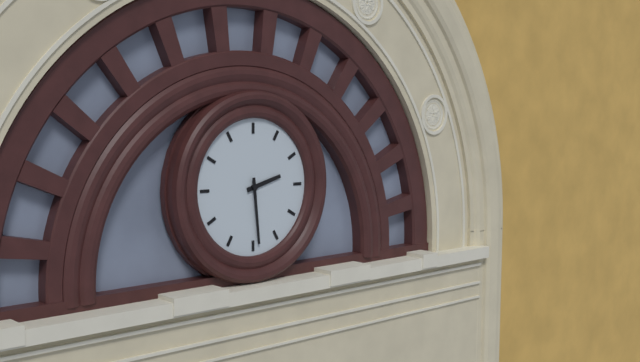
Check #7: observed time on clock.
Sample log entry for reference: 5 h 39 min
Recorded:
2 h 29 min
